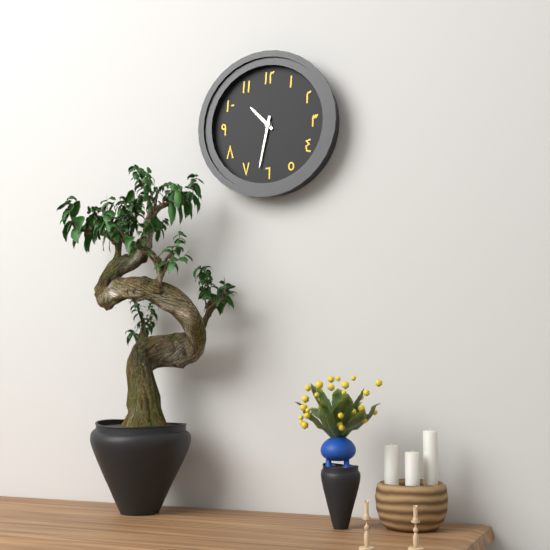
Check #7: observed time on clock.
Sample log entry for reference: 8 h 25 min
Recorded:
10 h 32 min
